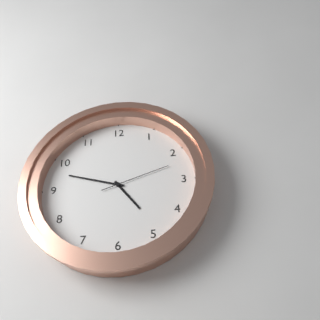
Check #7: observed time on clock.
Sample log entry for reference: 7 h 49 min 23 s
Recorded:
4 h 48 min 12 s
